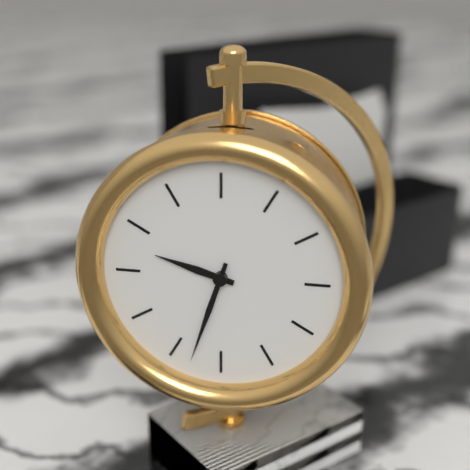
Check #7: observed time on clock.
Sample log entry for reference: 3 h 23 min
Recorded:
9 h 33 min
